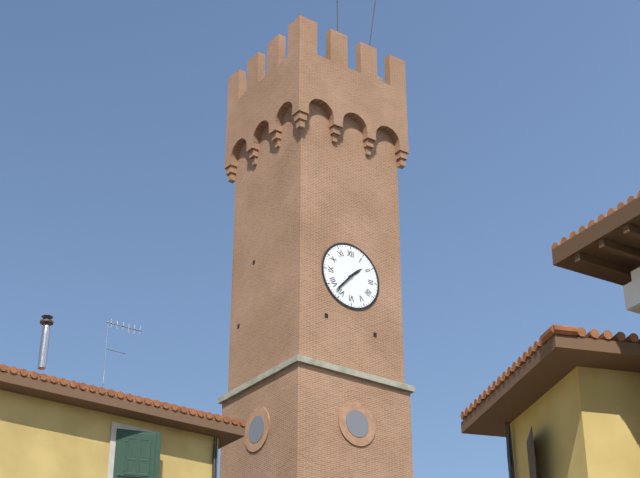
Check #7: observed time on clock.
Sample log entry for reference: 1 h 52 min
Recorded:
1 h 37 min
